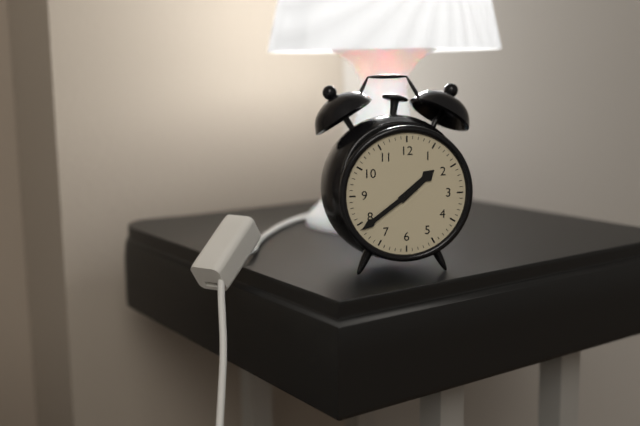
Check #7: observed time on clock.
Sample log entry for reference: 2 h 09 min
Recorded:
1 h 39 min
